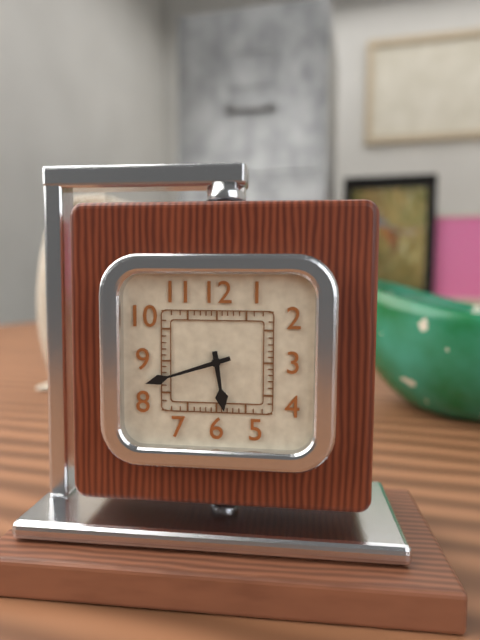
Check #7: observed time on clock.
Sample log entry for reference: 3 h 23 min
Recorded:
5 h 42 min
